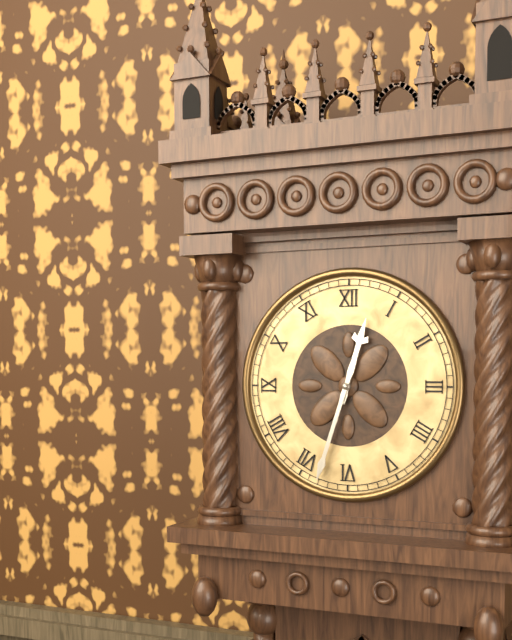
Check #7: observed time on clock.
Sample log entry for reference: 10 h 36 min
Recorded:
12 h 33 min
